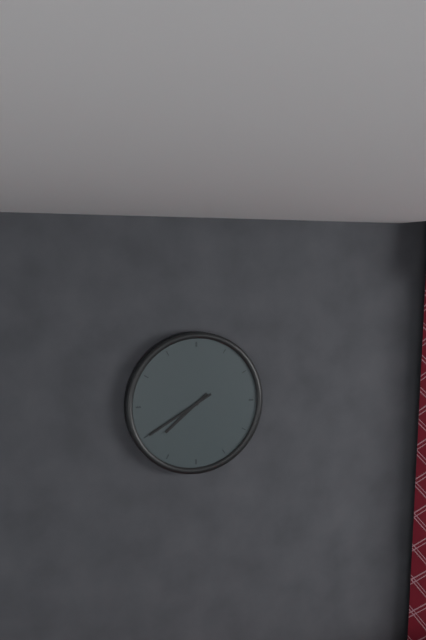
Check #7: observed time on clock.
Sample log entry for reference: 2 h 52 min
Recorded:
7 h 40 min
